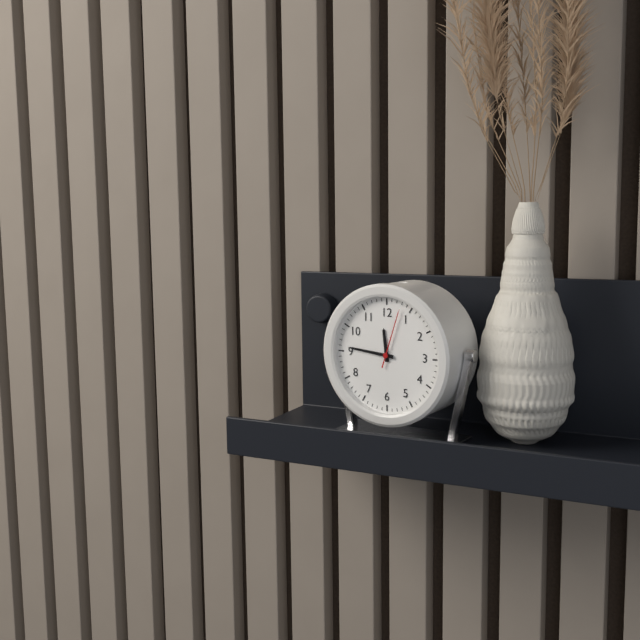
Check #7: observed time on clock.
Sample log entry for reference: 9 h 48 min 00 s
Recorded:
11 h 46 min 03 s
